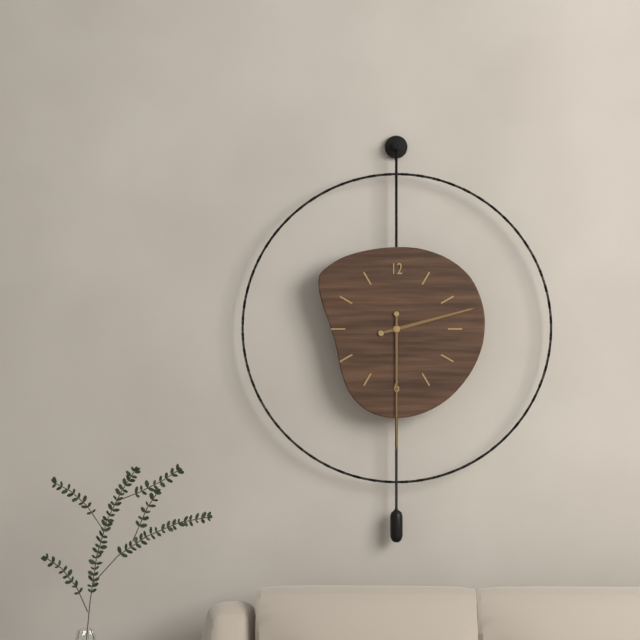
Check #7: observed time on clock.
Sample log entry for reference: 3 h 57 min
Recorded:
2 h 30 min
